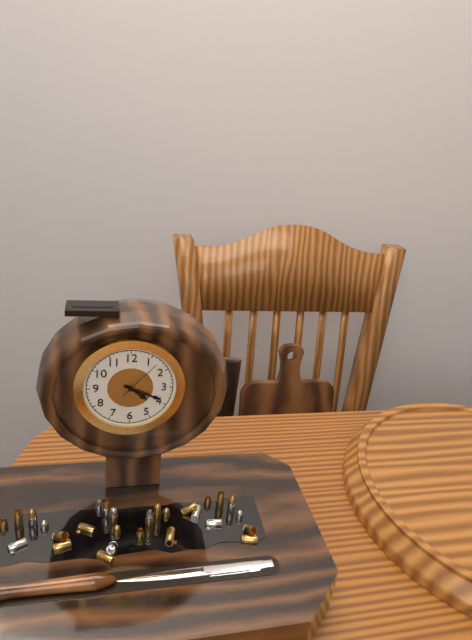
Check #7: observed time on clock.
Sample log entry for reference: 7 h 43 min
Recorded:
4 h 19 min
